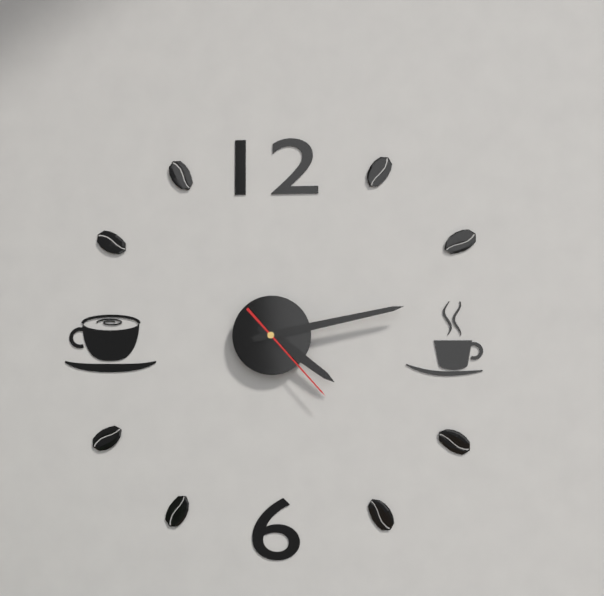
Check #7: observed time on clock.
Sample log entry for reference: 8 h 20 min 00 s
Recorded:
4 h 13 min 23 s
